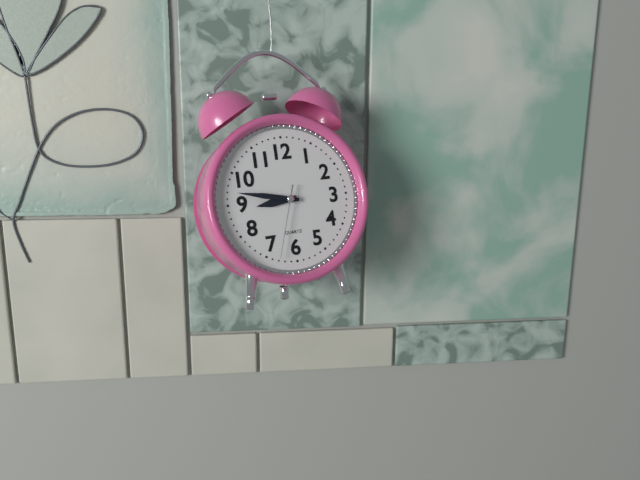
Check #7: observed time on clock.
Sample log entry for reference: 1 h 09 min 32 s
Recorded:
8 h 47 min 33 s
